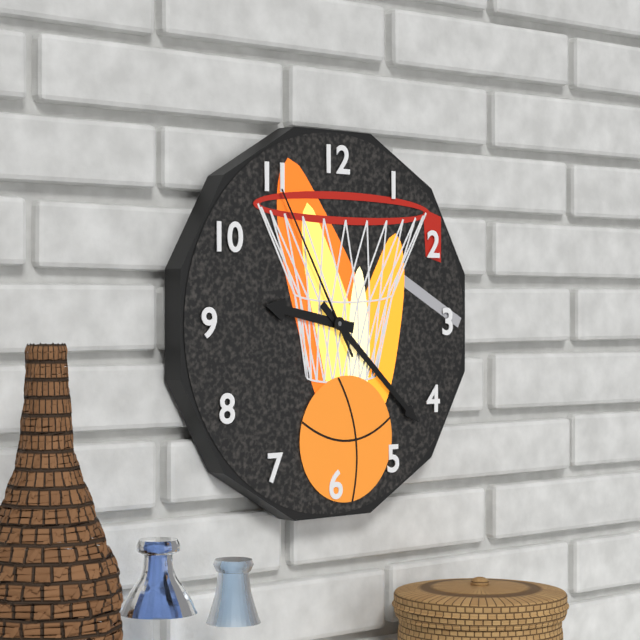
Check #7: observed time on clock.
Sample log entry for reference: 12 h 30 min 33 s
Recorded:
9 h 22 min 55 s
